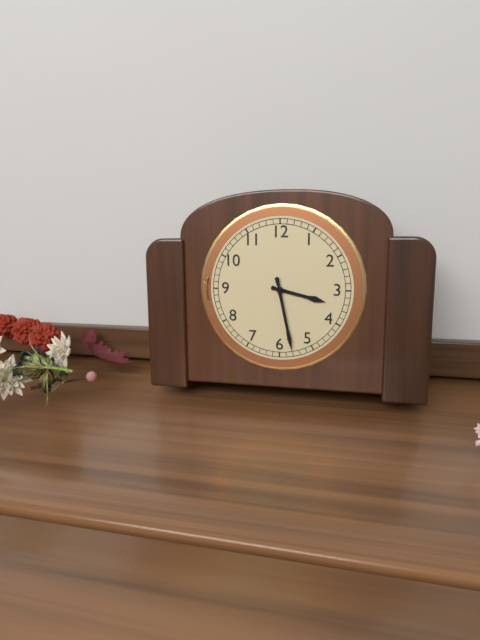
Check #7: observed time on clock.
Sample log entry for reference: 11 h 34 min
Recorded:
3 h 28 min
